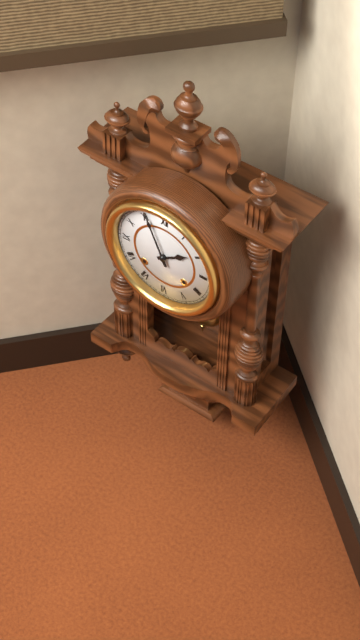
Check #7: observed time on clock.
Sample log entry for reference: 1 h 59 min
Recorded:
1 h 56 min
